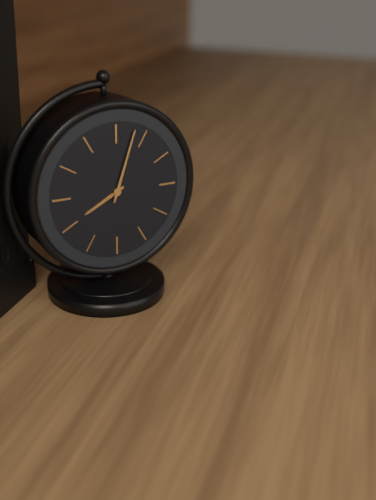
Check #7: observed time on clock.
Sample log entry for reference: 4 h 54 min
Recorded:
8 h 03 min
